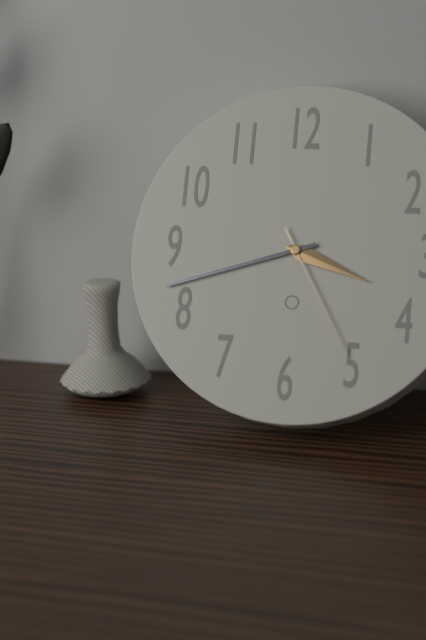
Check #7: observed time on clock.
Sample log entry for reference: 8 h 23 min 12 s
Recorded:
3 h 42 min 25 s
